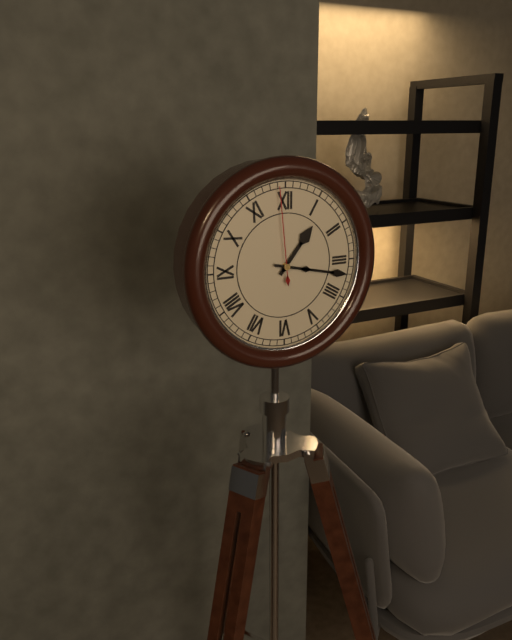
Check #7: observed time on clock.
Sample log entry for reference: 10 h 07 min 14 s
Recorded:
1 h 17 min 59 s
